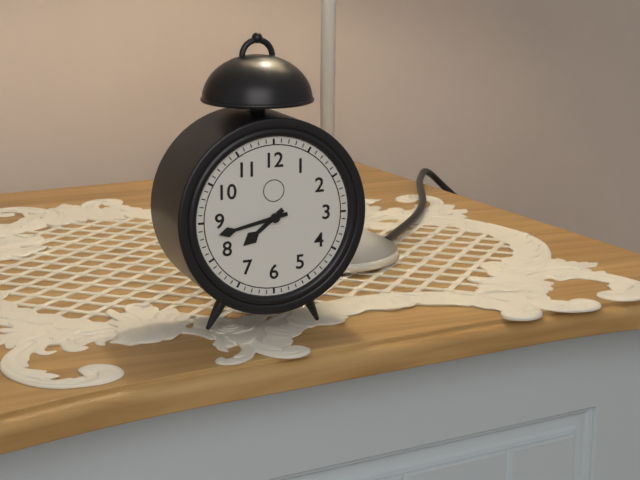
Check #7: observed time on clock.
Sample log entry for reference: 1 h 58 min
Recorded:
7 h 43 min
